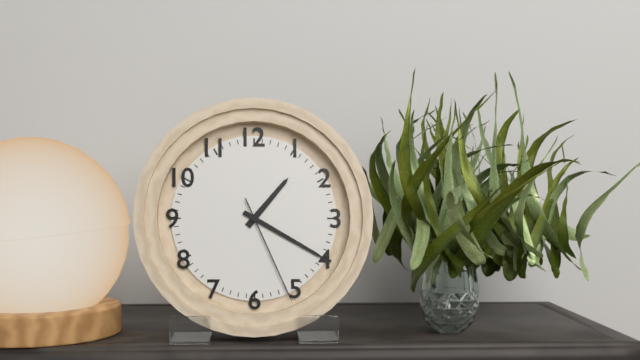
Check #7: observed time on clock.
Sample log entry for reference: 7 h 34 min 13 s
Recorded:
1 h 20 min 26 s
